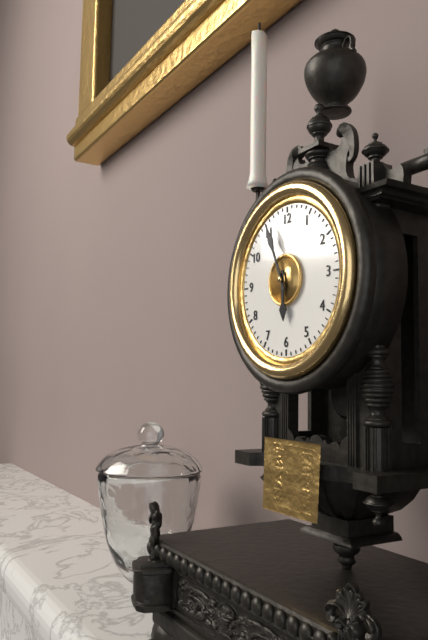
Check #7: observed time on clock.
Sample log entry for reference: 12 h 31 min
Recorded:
5 h 56 min
